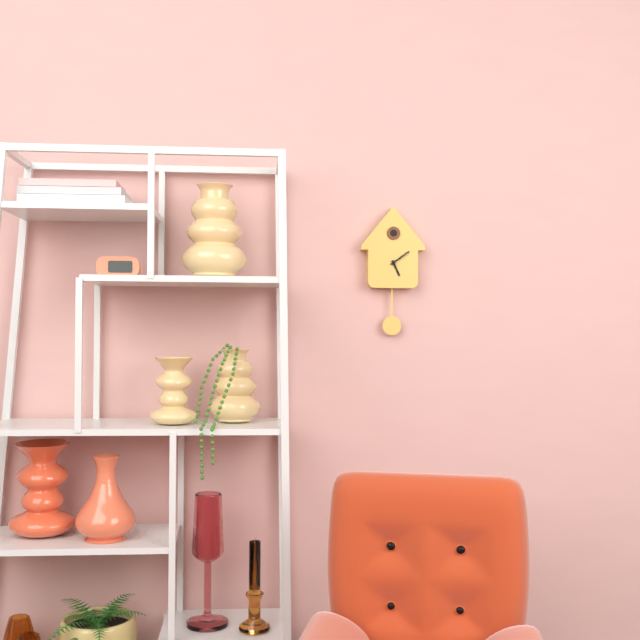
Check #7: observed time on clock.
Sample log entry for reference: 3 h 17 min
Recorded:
5 h 09 min
